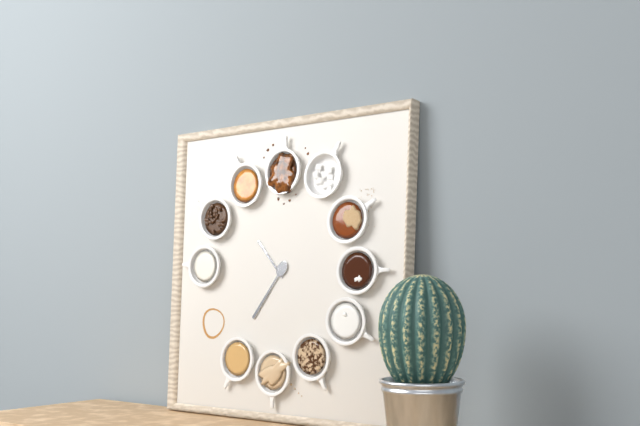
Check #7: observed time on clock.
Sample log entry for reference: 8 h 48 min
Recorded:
10 h 36 min
